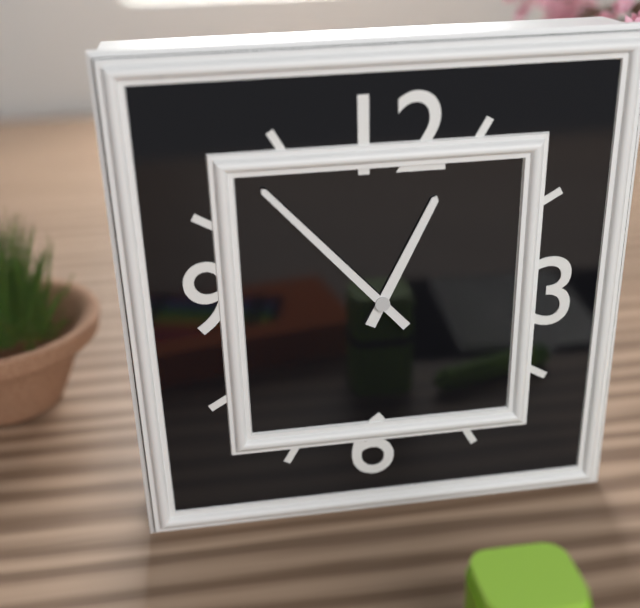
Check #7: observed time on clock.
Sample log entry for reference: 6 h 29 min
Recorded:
12 h 53 min
